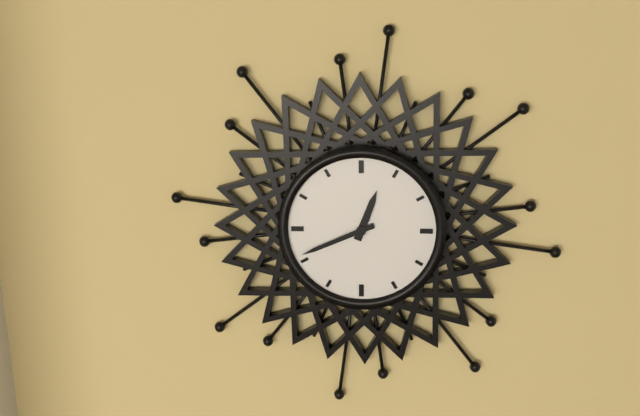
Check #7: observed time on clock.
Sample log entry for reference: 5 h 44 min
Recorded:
12 h 41 min
